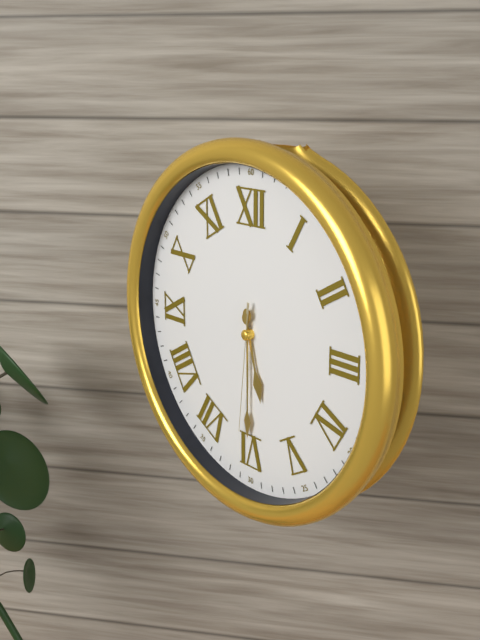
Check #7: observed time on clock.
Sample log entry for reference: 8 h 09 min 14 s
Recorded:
5 h 30 min 31 s
